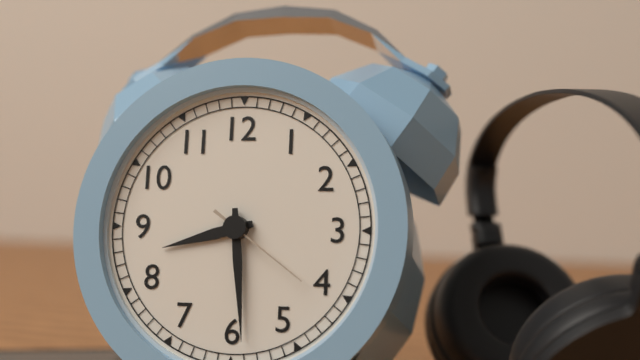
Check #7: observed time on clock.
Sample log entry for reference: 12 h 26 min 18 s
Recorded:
8 h 29 min 21 s
